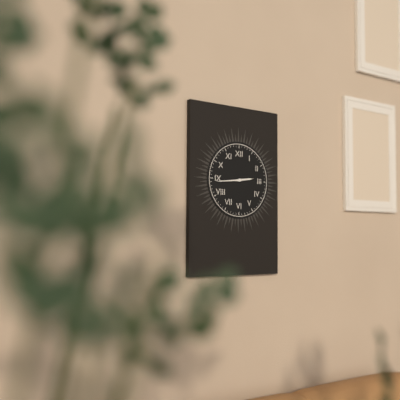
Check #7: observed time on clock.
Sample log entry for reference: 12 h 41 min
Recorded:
2 h 44 min
